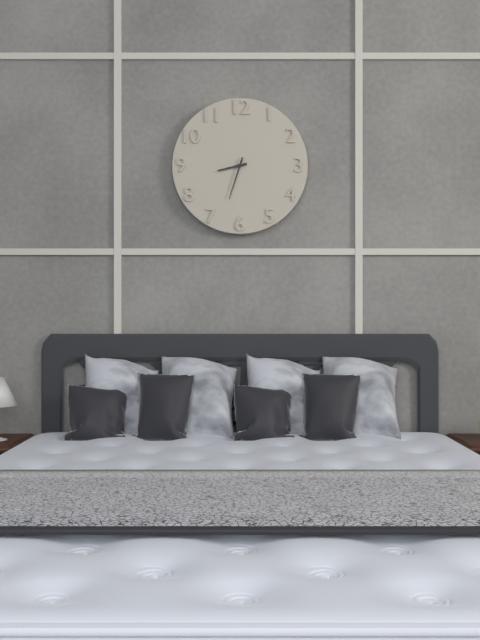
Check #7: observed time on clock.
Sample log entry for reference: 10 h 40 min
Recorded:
8 h 33 min
